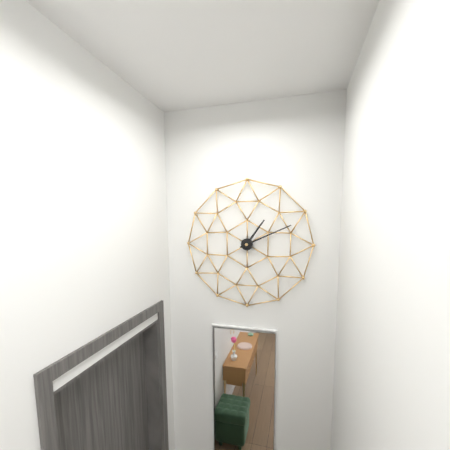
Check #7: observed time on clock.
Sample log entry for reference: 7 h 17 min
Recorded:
1 h 11 min
